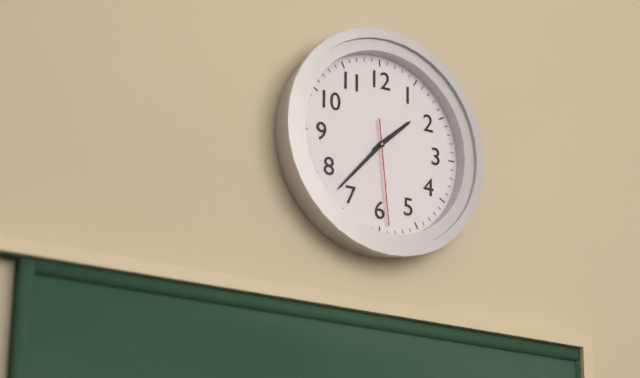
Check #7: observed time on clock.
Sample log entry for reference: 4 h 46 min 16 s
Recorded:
1 h 37 min 29 s
